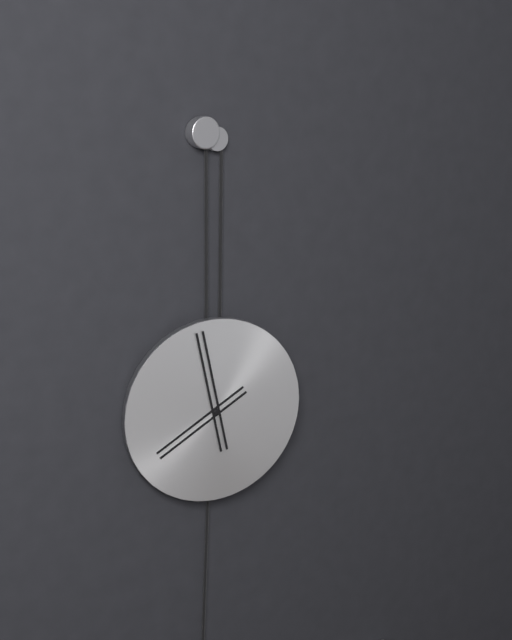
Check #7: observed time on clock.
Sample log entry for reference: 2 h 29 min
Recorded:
7 h 58 min
